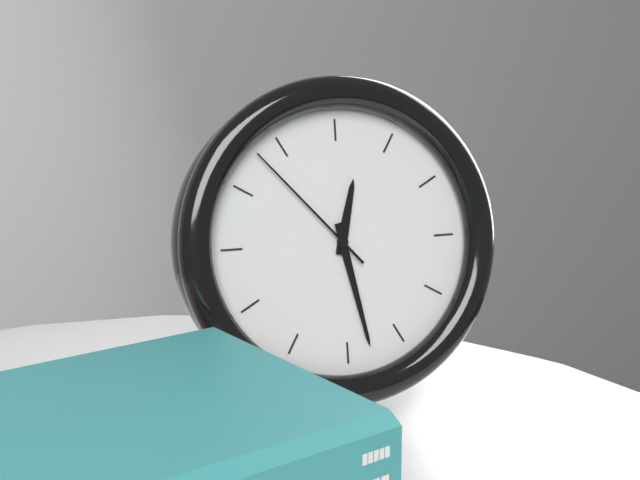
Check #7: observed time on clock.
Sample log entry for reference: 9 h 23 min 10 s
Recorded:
12 h 28 min 53 s
